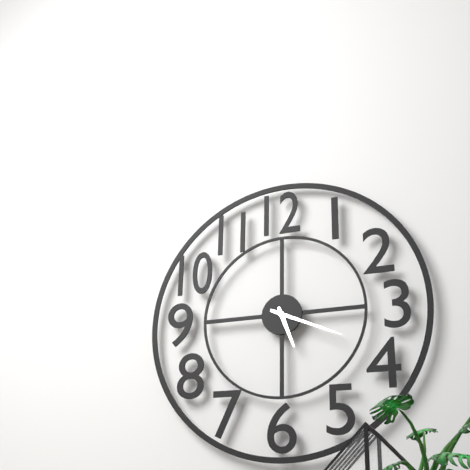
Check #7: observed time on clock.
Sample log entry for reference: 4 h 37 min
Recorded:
5 h 19 min
